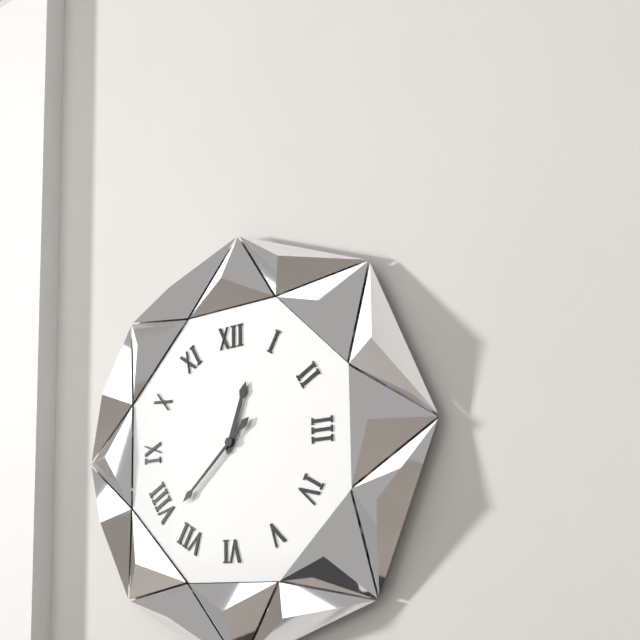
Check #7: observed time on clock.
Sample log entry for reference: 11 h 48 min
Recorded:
12 h 38 min
